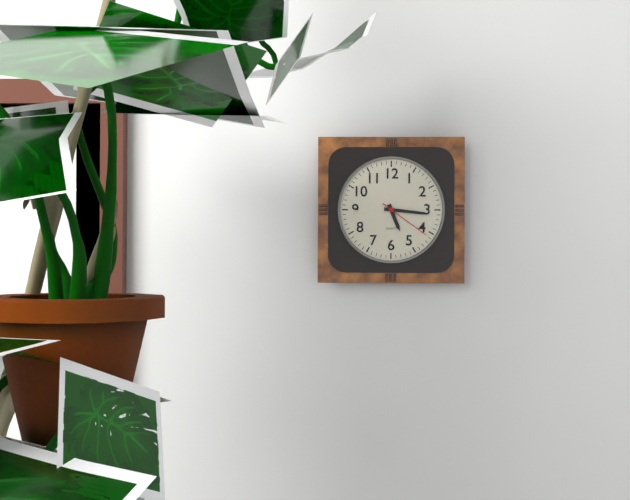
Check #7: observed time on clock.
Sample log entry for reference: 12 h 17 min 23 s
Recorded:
5 h 16 min 21 s
